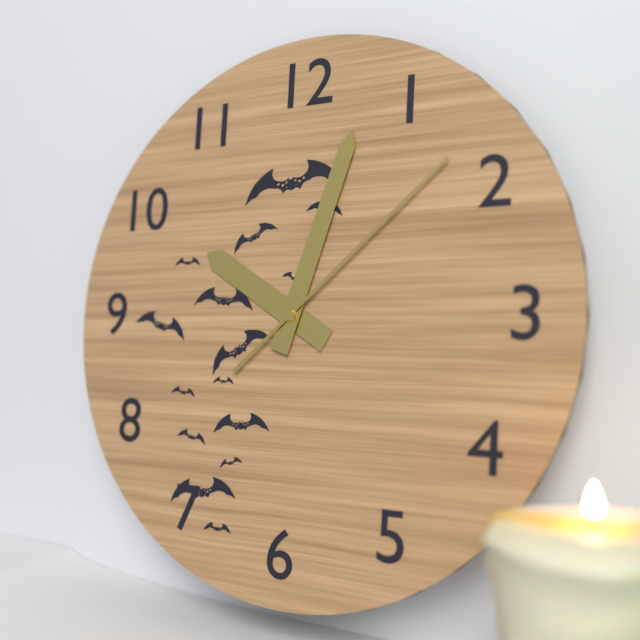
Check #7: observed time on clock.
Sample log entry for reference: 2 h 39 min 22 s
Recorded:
10 h 03 min 08 s
